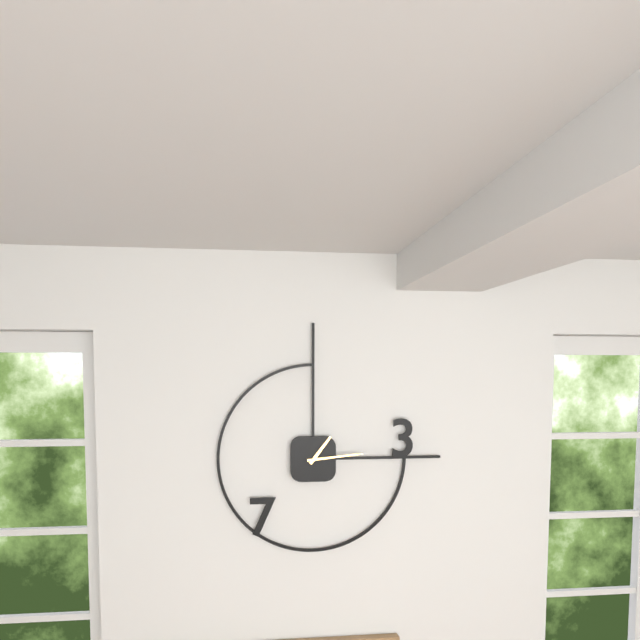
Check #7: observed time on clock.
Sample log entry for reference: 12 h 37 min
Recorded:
1 h 14 min
